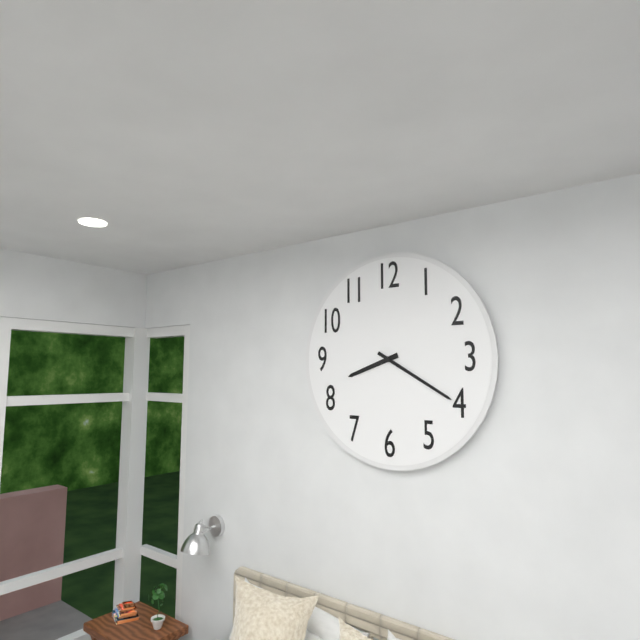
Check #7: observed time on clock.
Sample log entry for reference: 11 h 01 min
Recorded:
8 h 20 min
